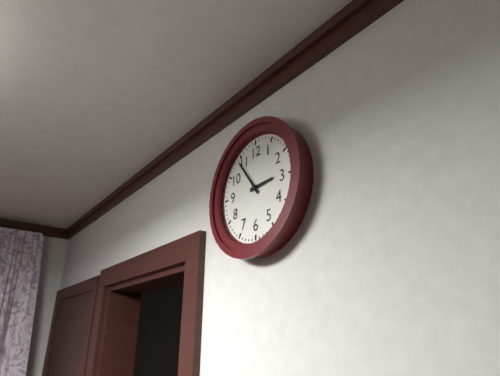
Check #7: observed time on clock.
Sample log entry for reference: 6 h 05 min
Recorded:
2 h 54 min
